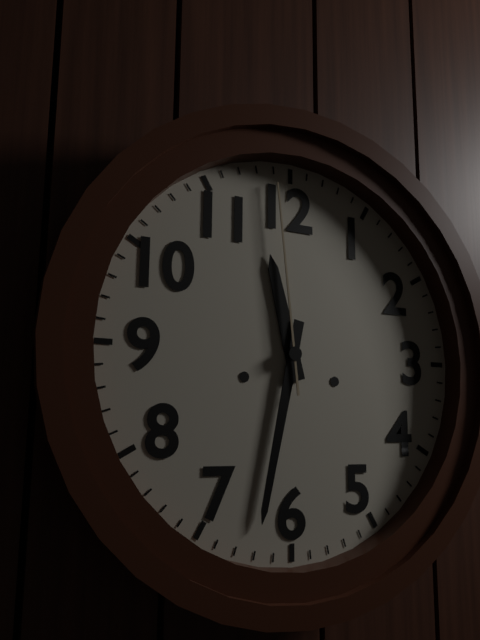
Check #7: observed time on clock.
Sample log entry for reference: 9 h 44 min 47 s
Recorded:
11 h 32 min 59 s
